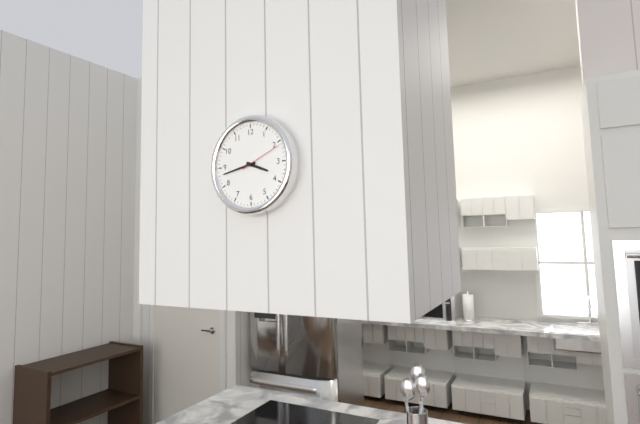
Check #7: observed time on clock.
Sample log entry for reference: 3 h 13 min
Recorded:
3 h 43 min
